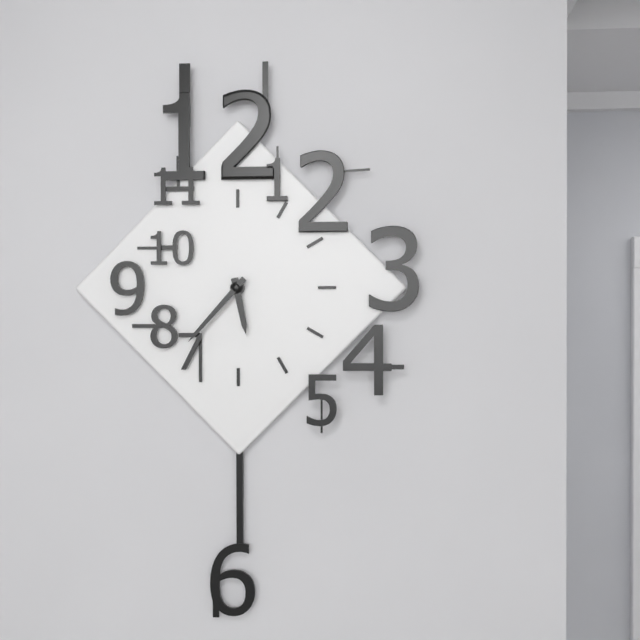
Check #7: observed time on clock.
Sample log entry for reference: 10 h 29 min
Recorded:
5 h 37 min
